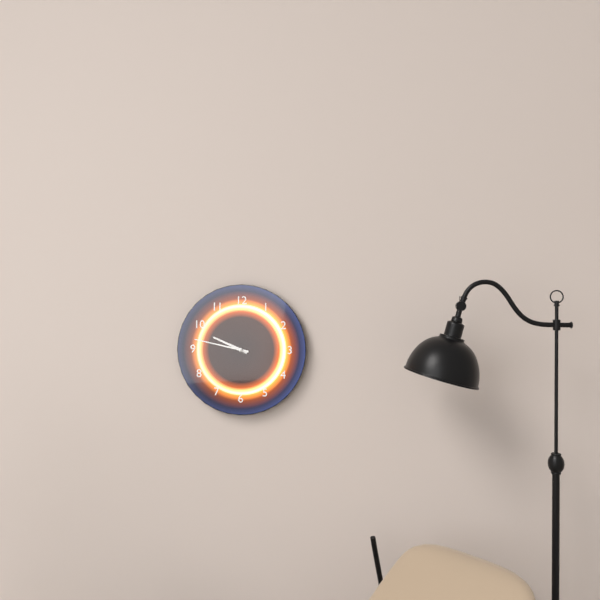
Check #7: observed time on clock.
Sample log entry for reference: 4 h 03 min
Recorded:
9 h 47 min
